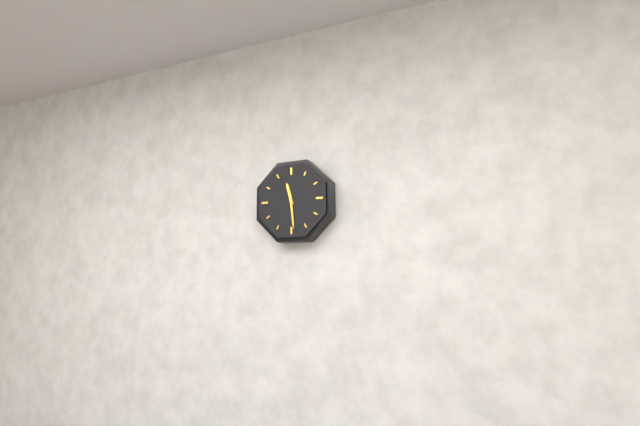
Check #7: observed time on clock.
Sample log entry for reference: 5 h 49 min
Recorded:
11 h 29 min
